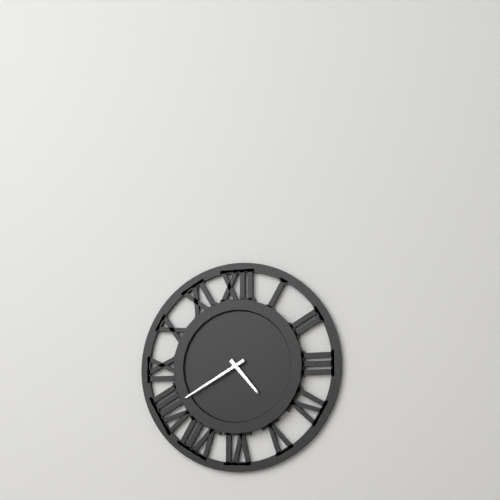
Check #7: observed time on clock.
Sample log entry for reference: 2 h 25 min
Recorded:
4 h 40 min
